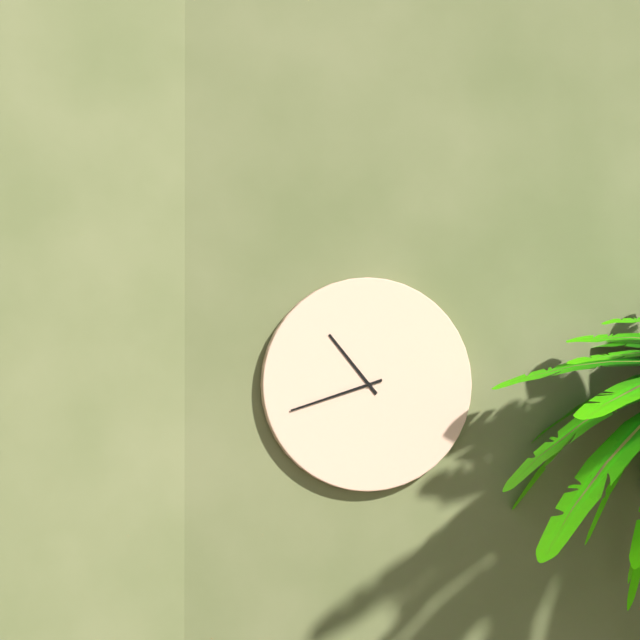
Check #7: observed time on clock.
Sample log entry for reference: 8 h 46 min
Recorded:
10 h 42 min
